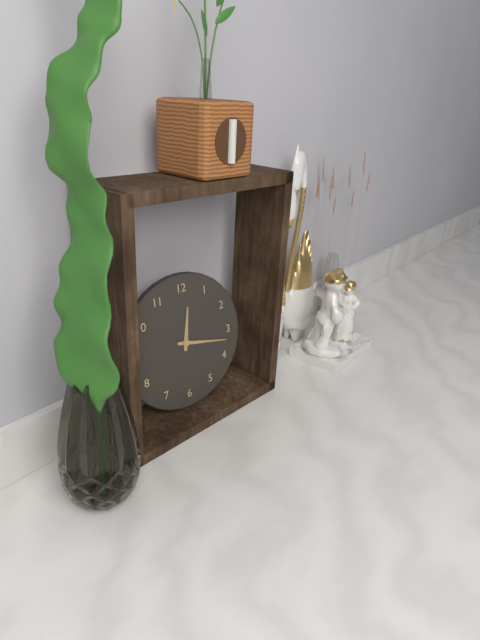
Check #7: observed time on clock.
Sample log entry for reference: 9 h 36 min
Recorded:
12 h 17 min
